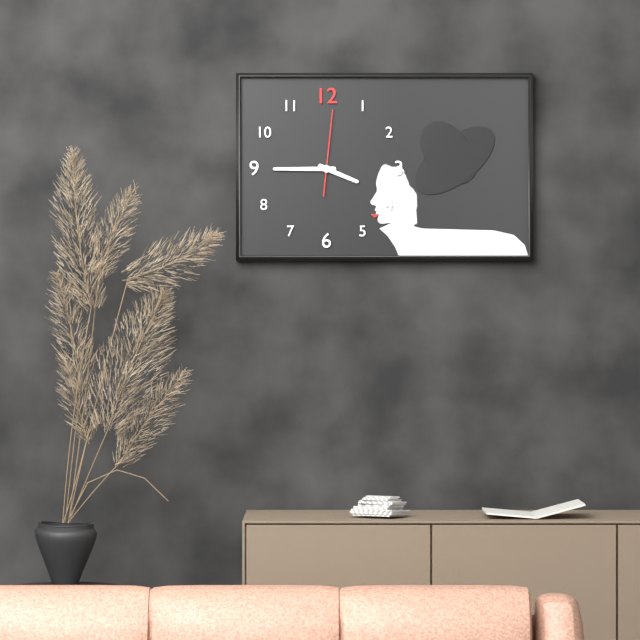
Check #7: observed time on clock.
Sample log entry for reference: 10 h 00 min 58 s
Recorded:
3 h 45 min 01 s
